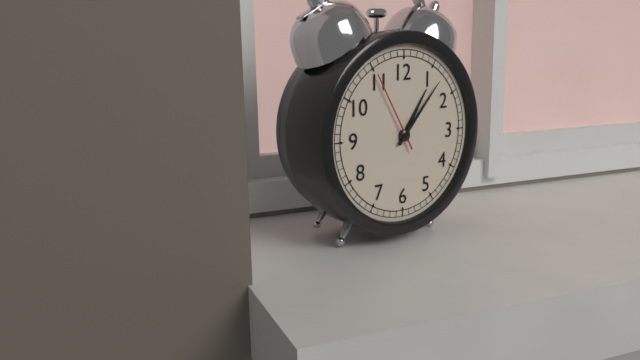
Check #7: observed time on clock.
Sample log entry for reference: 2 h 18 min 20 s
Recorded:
1 h 07 min 55 s
